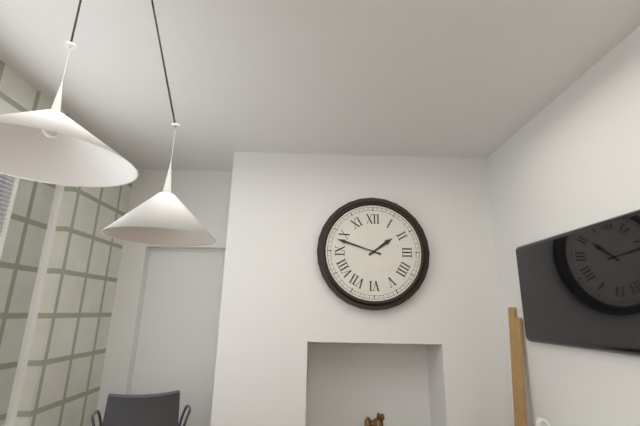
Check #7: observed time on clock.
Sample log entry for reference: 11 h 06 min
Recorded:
1 h 48 min
